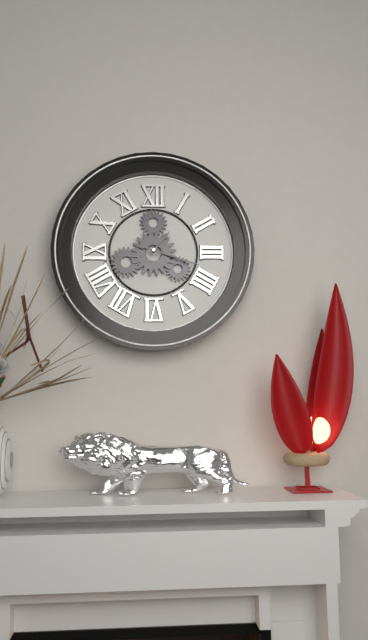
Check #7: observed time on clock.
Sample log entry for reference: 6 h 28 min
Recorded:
1 h 18 min
